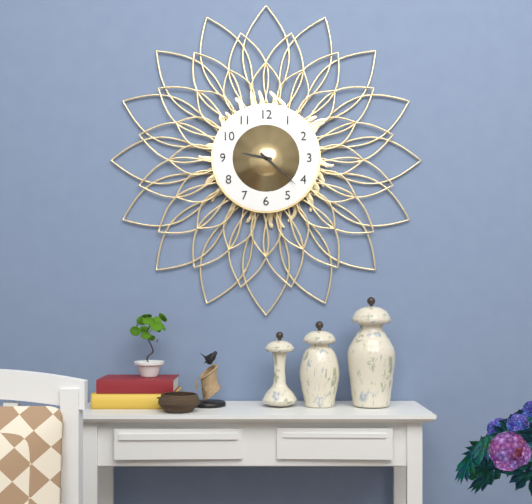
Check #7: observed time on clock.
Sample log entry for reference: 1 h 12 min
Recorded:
9 h 22 min
